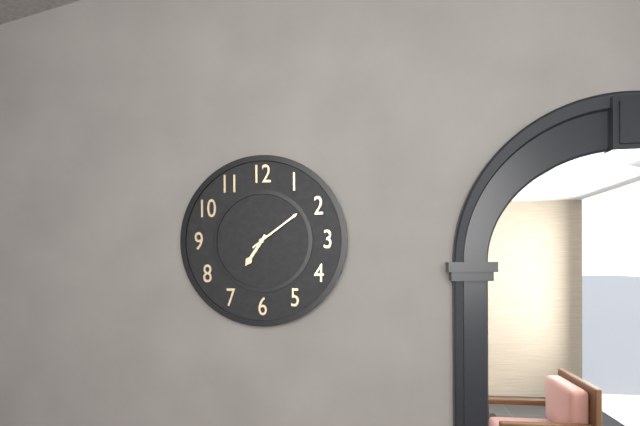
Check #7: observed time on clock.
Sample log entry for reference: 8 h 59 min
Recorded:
7 h 09 min
